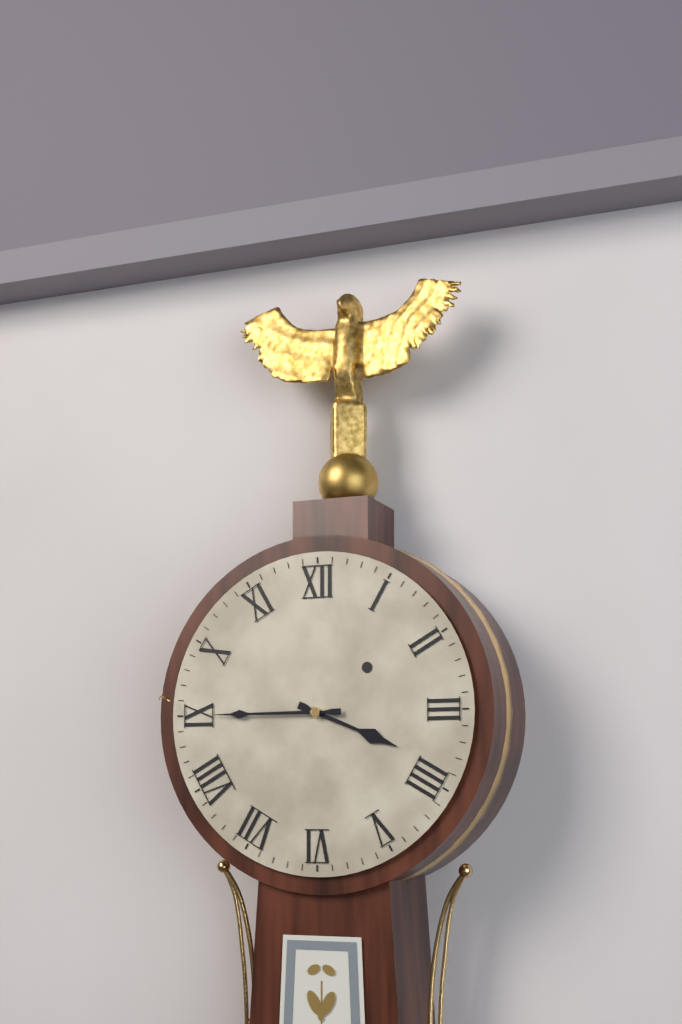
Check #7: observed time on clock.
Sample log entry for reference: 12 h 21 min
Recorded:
3 h 45 min
